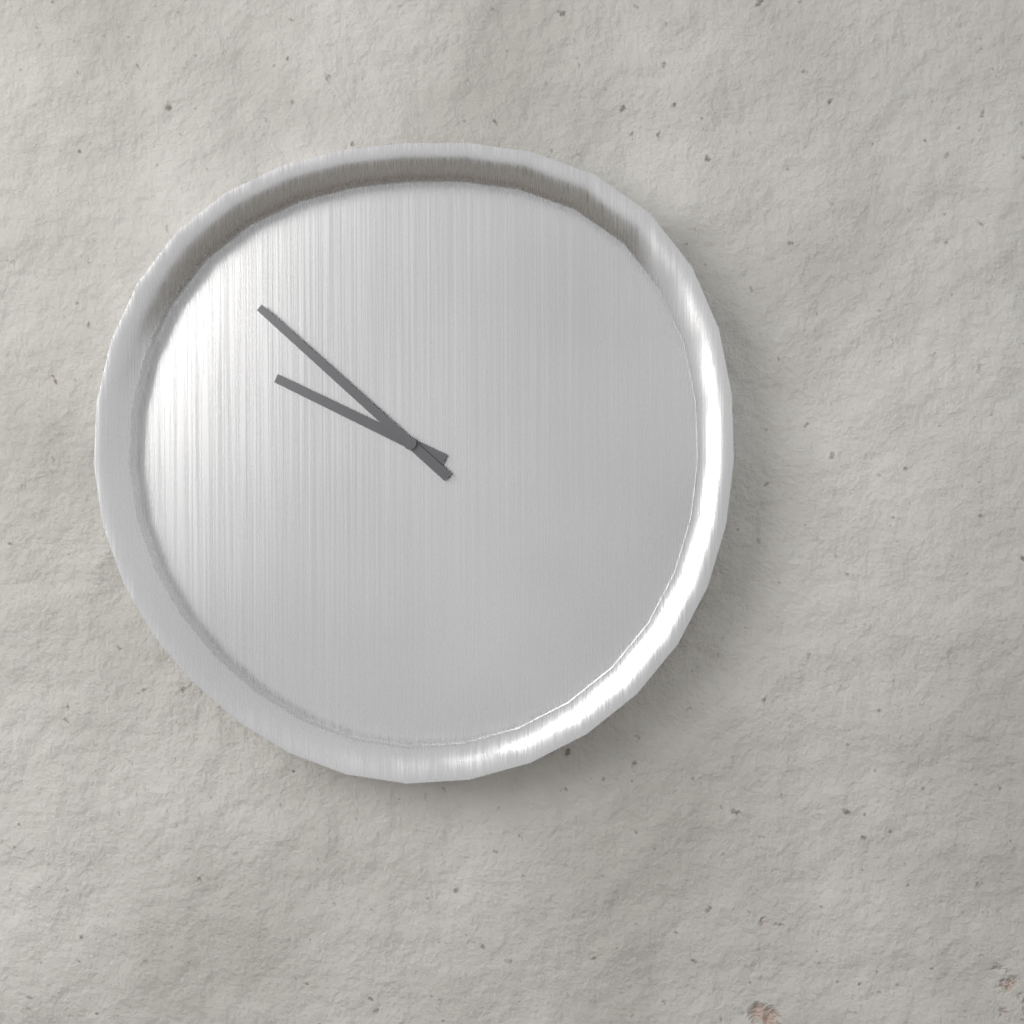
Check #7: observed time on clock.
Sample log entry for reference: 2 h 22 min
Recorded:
9 h 52 min
